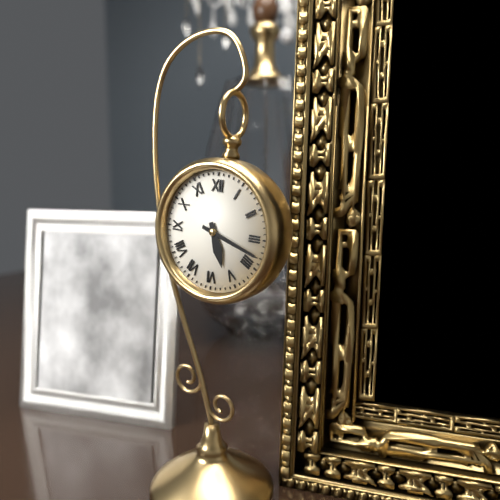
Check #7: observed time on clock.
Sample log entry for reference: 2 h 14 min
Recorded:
5 h 18 min
